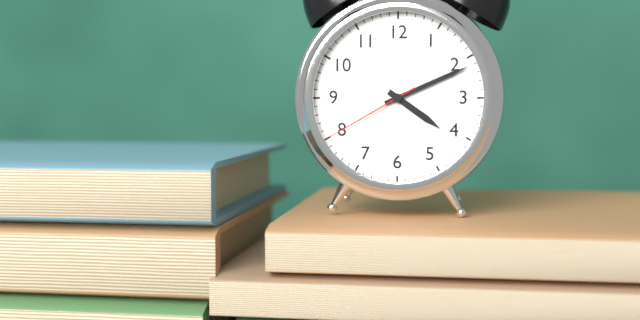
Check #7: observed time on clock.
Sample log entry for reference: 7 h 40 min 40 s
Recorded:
4 h 11 min 40 s
